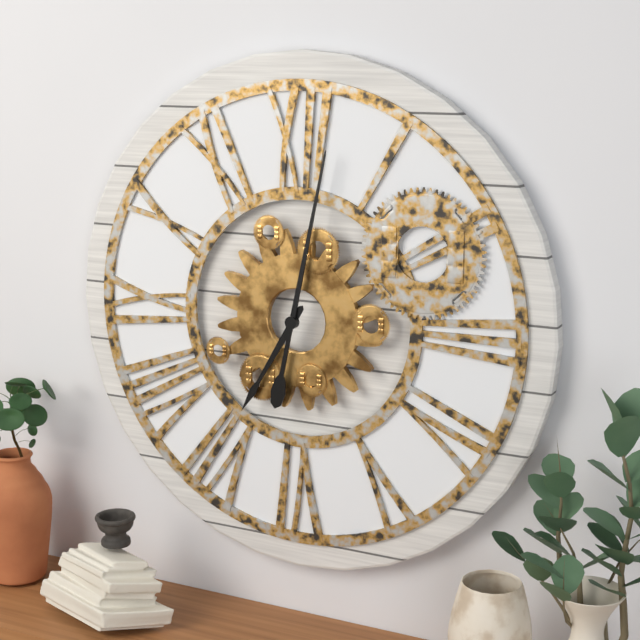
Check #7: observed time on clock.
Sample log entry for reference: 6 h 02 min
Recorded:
7 h 02 min
